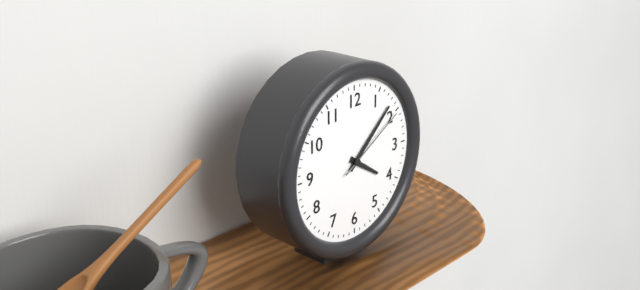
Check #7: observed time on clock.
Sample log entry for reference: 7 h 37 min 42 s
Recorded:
4 h 08 min 10 s
